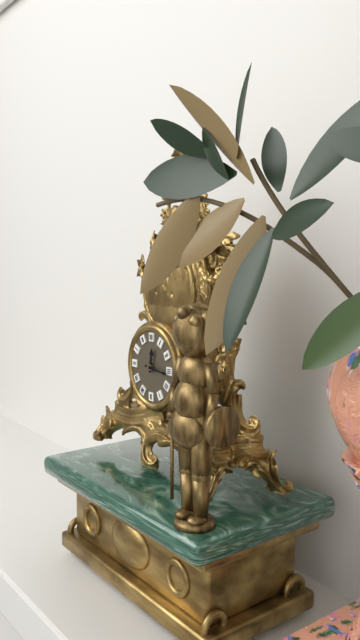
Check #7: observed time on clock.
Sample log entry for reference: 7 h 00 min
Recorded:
12 h 16 min
